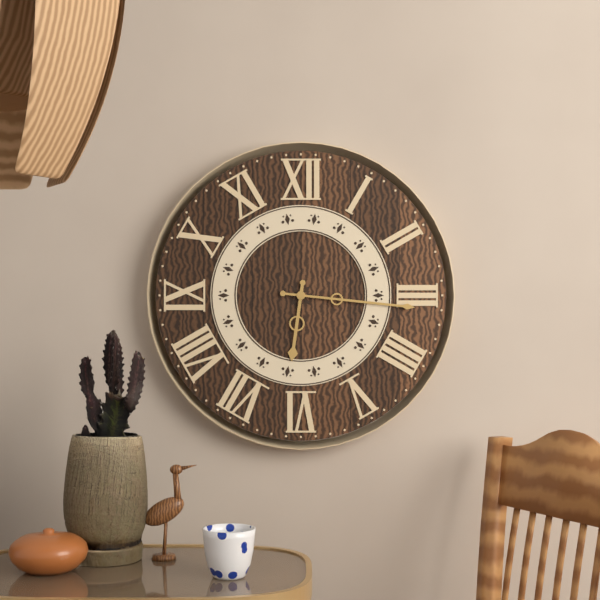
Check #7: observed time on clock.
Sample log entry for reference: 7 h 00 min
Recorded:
6 h 16 min
